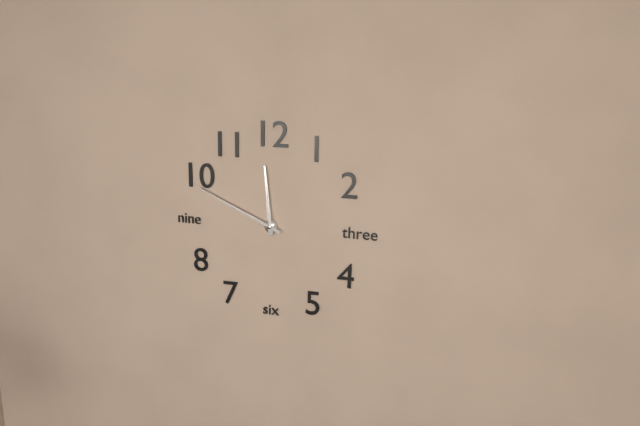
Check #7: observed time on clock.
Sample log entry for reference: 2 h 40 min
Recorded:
11 h 49 min
